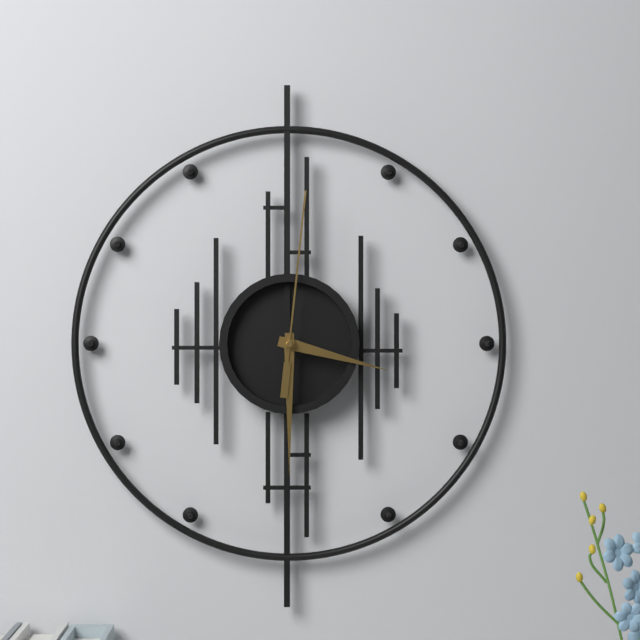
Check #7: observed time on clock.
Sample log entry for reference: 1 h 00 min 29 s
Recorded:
3 h 30 min 01 s
